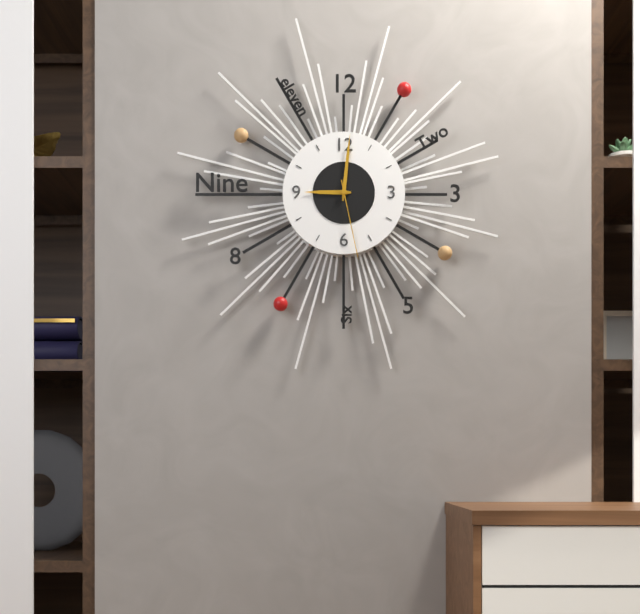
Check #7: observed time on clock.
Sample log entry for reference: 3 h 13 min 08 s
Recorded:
9 h 01 min 28 s
